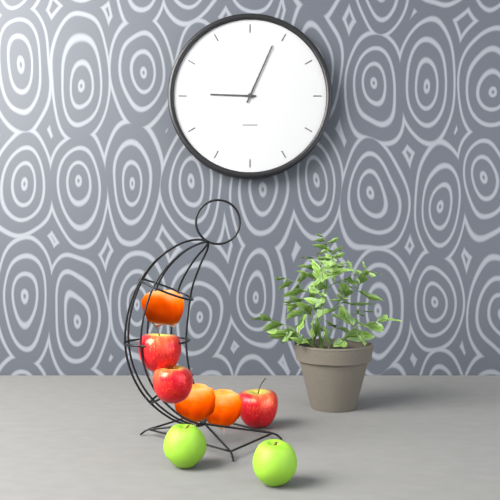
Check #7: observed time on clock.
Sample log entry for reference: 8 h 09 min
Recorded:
9 h 04 min
